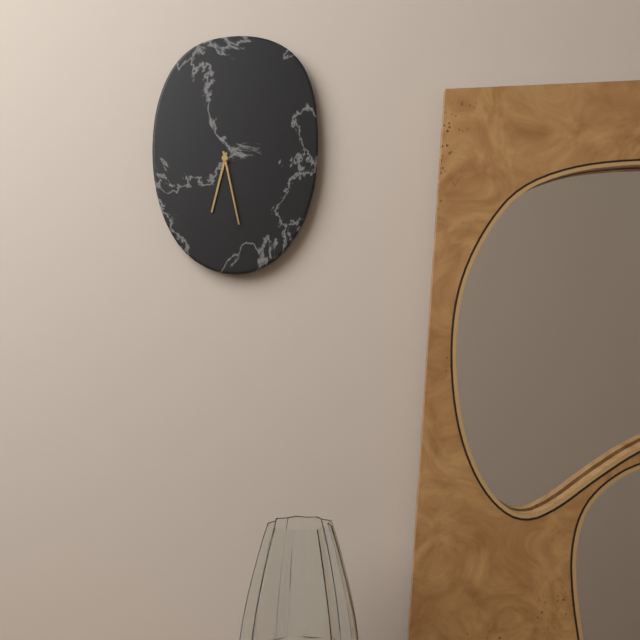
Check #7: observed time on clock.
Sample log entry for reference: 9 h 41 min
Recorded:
6 h 28 min
